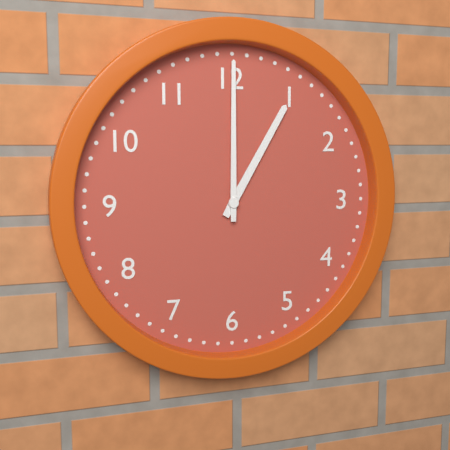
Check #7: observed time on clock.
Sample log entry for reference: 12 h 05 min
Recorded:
1 h 00 min
